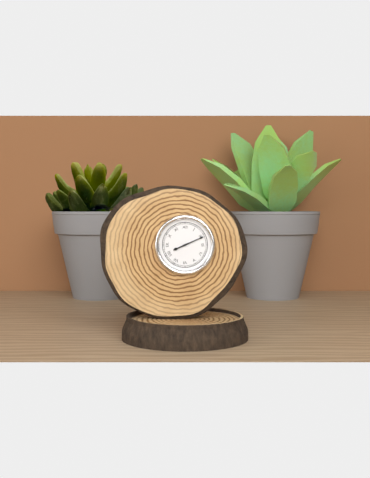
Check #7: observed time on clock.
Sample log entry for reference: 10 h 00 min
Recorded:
8 h 11 min
